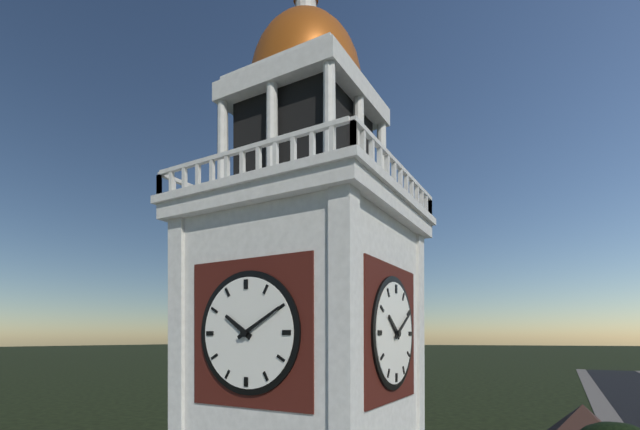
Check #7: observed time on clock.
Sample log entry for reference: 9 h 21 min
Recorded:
10 h 10 min
